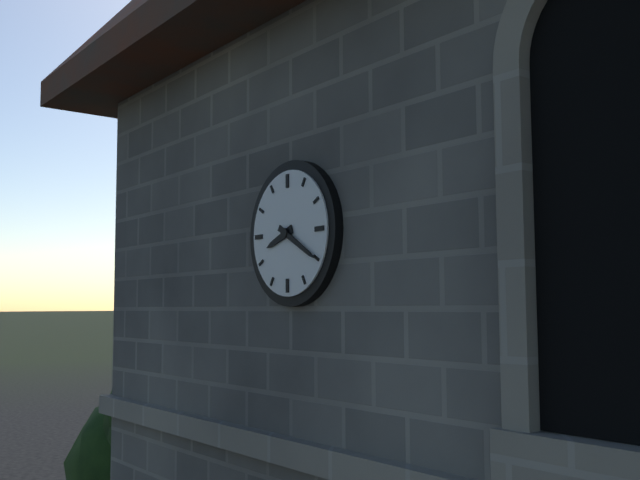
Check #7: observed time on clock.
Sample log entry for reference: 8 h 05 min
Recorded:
8 h 20 min
